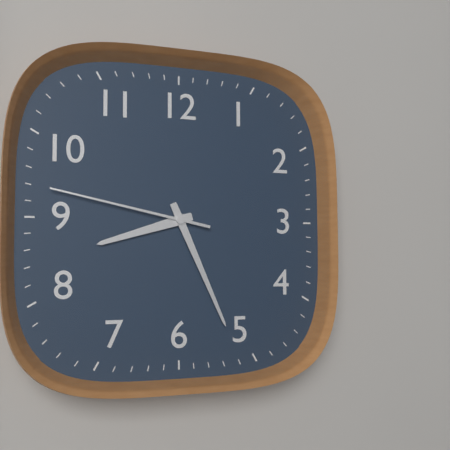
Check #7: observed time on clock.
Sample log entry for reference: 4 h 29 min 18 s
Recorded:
8 h 26 min 47 s
